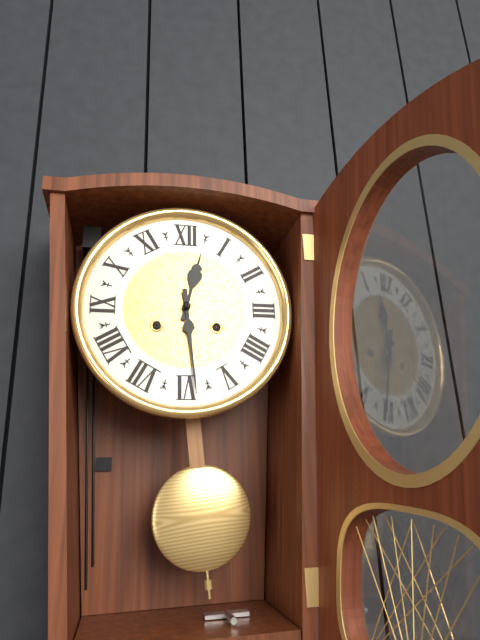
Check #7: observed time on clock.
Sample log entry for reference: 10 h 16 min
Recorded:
12 h 29 min
